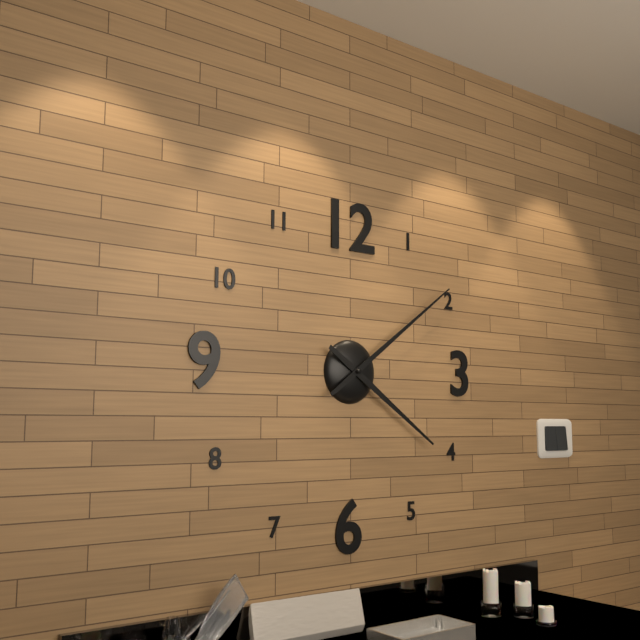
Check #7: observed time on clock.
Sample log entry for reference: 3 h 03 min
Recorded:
4 h 09 min
